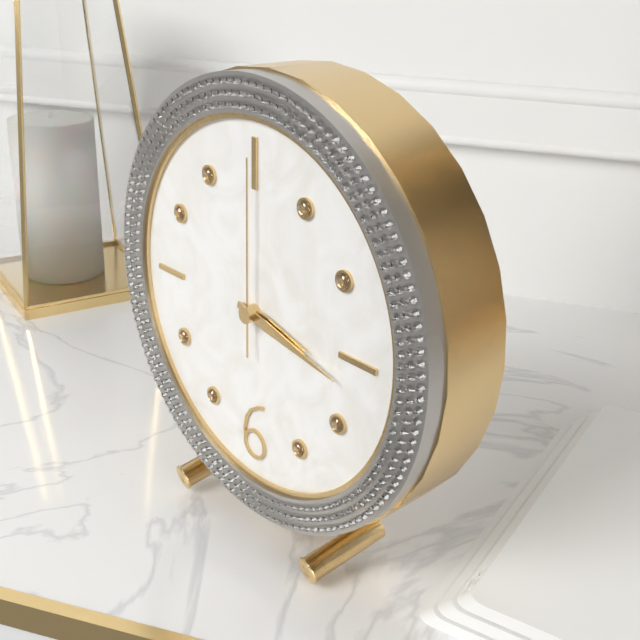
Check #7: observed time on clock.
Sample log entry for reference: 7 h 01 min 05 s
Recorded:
3 h 17 min 00 s
